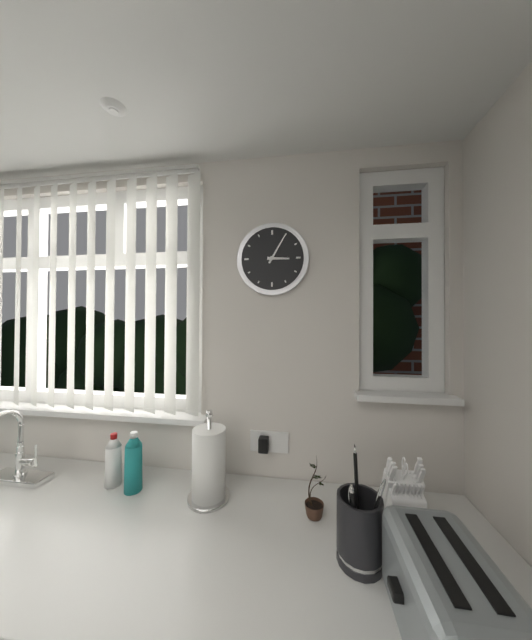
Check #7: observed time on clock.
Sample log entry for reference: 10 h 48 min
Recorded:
3 h 05 min
